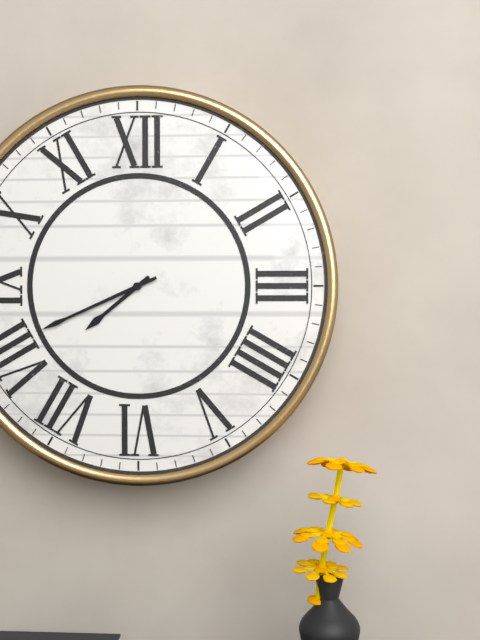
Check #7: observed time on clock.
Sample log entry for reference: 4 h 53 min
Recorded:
7 h 41 min
